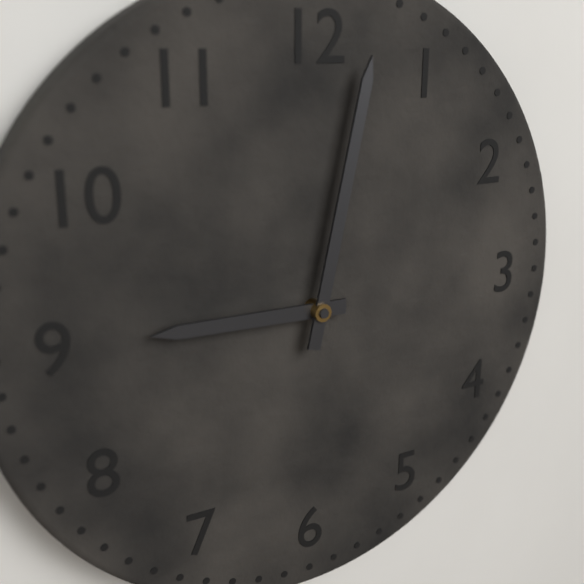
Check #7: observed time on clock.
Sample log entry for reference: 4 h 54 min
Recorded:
9 h 02 min
